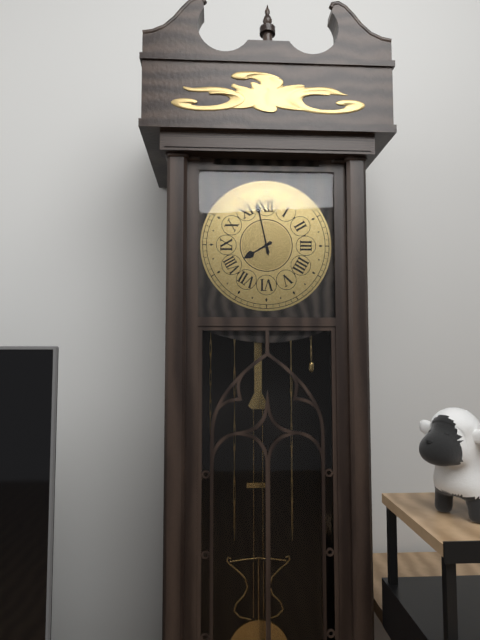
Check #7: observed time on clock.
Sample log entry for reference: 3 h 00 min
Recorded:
7 h 58 min
